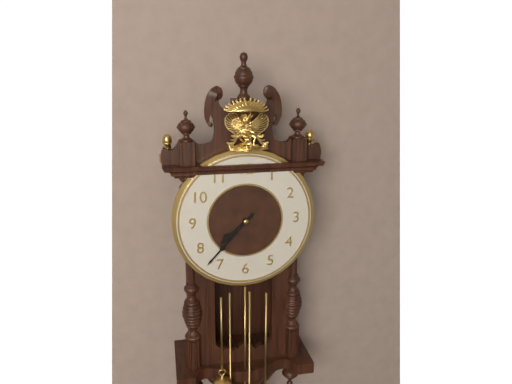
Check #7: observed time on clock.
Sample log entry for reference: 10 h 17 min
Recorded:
7 h 37 min
